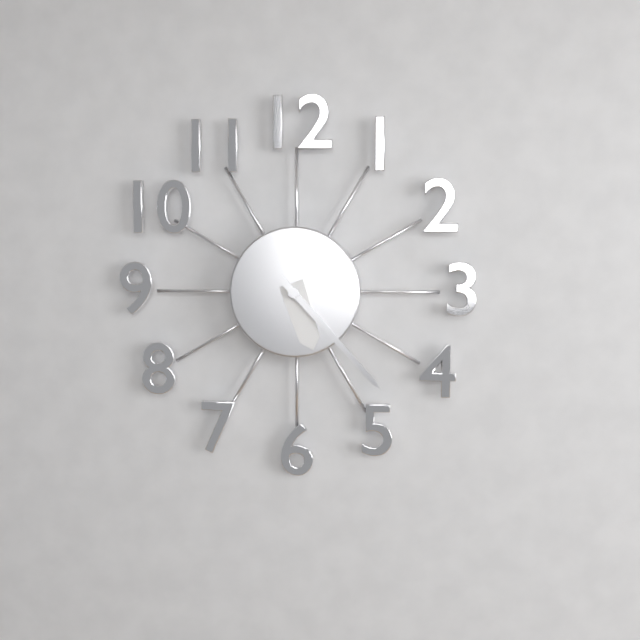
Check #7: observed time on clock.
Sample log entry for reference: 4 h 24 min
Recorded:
5 h 23 min
